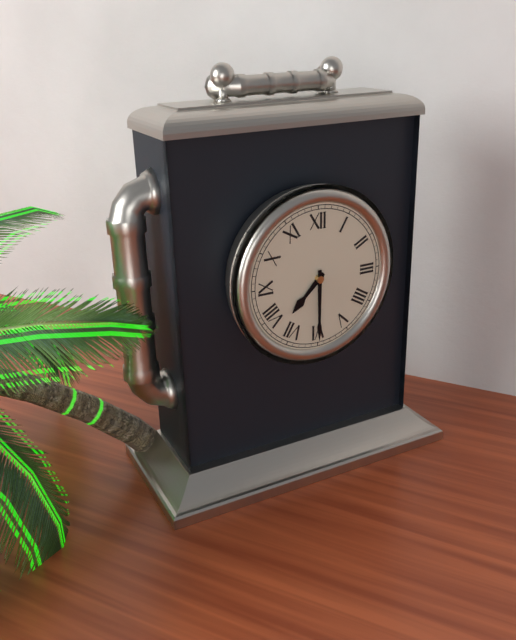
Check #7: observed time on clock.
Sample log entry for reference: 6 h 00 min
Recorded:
7 h 30 min
